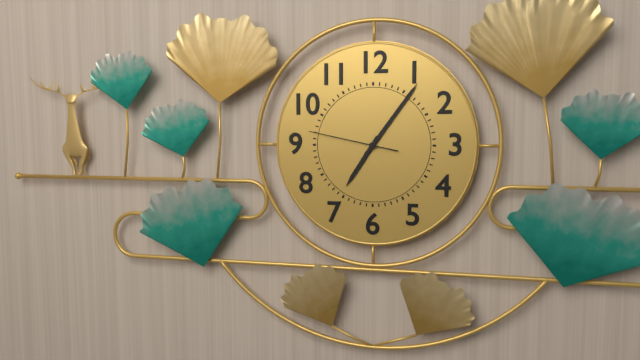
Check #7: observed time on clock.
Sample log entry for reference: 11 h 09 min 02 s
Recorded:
7 h 06 min 47 s
